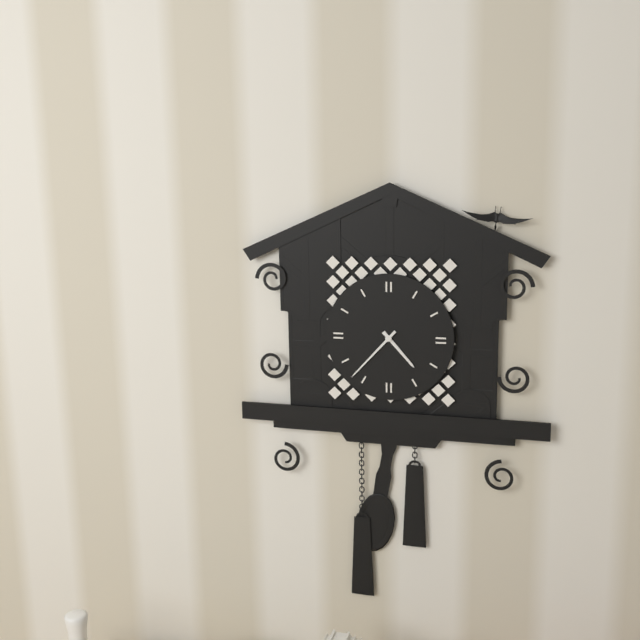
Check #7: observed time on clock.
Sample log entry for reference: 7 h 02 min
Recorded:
4 h 37 min
